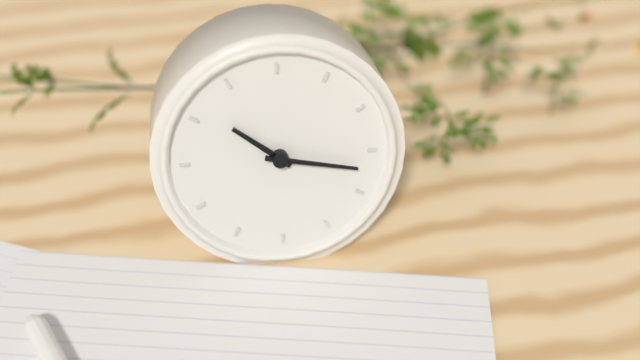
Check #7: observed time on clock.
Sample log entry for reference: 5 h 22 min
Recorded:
10 h 17 min
